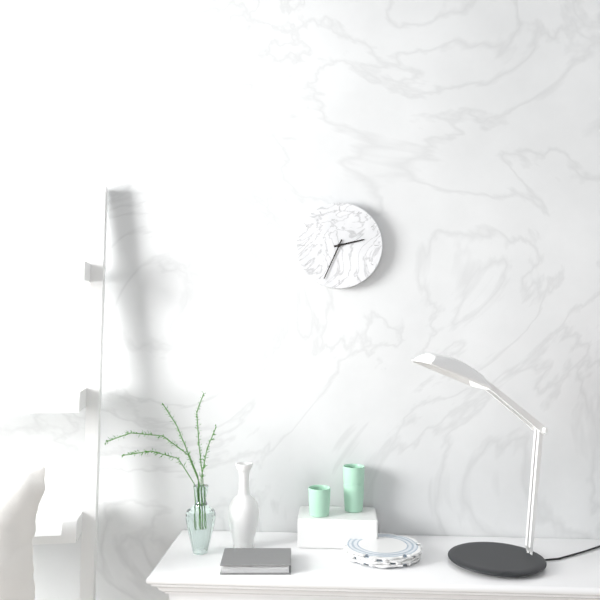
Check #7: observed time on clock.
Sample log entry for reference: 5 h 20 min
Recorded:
2 h 34 min
